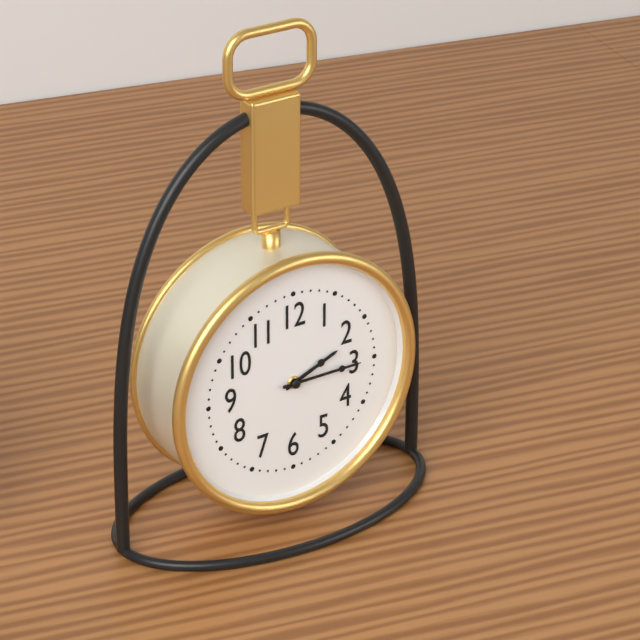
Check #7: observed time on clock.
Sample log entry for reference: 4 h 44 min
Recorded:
2 h 15 min
